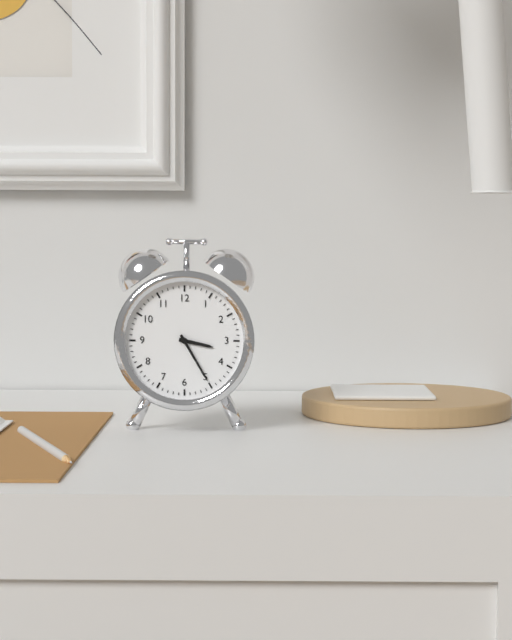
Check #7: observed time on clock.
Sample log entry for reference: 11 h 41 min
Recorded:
3 h 25 min
